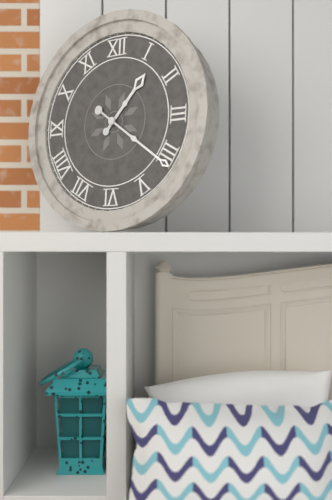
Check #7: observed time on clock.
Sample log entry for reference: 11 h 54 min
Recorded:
1 h 21 min
